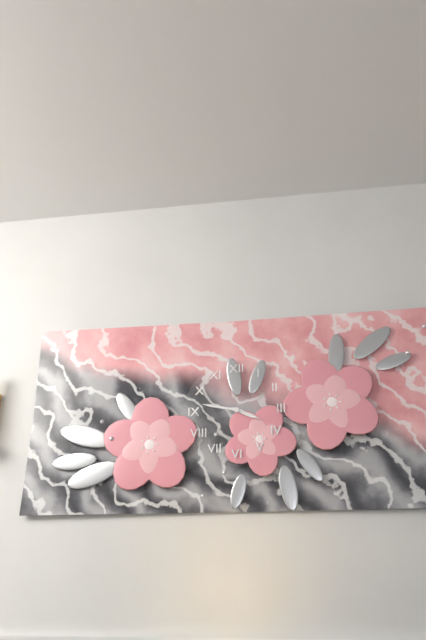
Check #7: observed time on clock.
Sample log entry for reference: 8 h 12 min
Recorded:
3 h 47 min
